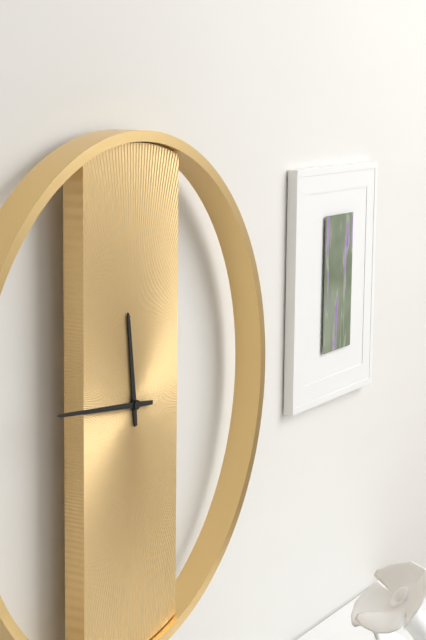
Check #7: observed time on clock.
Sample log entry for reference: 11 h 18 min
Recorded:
11 h 46 min
